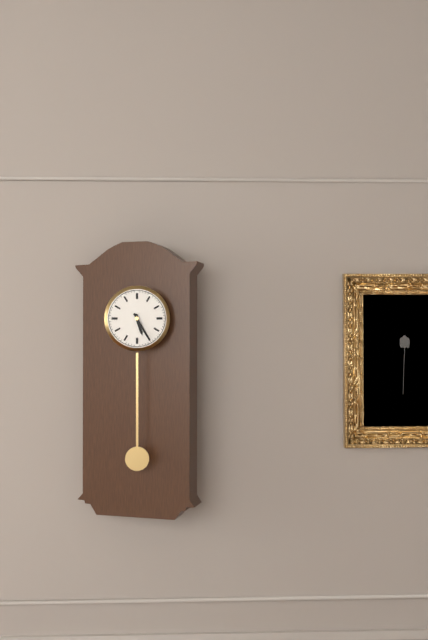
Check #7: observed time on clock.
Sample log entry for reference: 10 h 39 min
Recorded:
5 h 25 min
